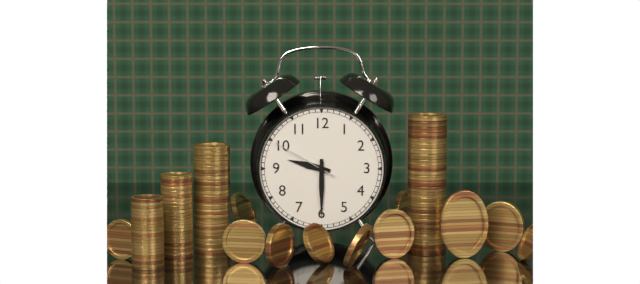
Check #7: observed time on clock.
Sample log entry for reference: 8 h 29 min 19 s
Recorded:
9 h 30 min 50 s
